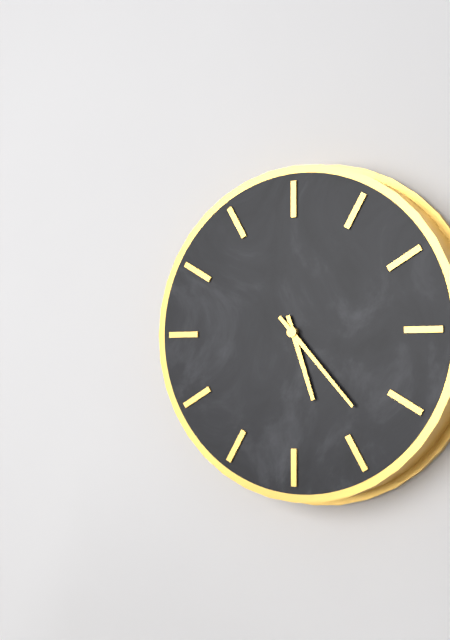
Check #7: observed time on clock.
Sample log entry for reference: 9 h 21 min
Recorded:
5 h 23 min
